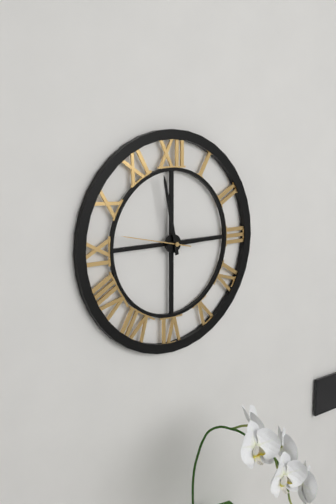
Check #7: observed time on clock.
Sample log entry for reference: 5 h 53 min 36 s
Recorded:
2 h 58 min 47 s
